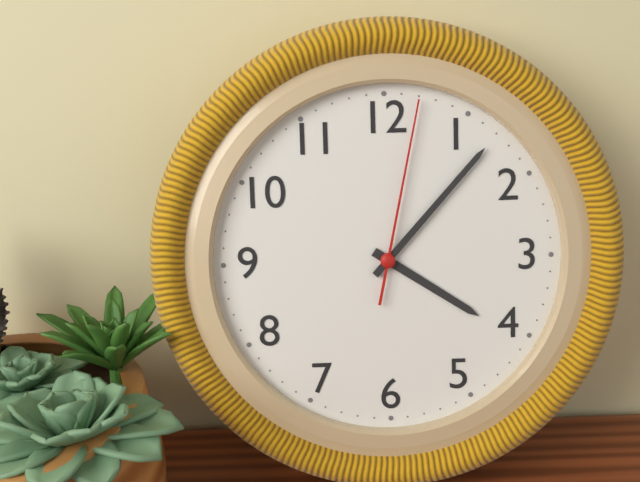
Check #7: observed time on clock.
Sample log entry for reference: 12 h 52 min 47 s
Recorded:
4 h 07 min 02 s
